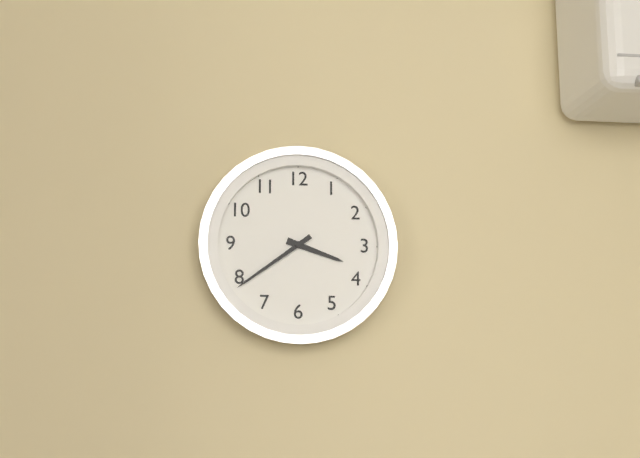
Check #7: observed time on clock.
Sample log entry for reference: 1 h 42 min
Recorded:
3 h 39 min
